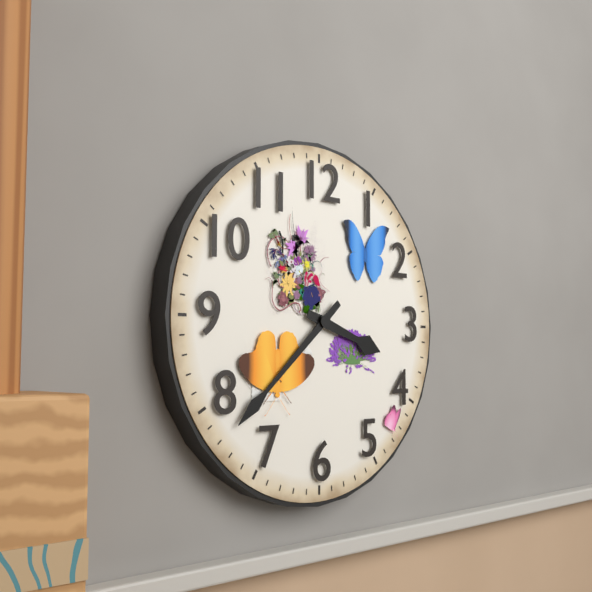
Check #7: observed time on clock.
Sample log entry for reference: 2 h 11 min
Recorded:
3 h 38 min
